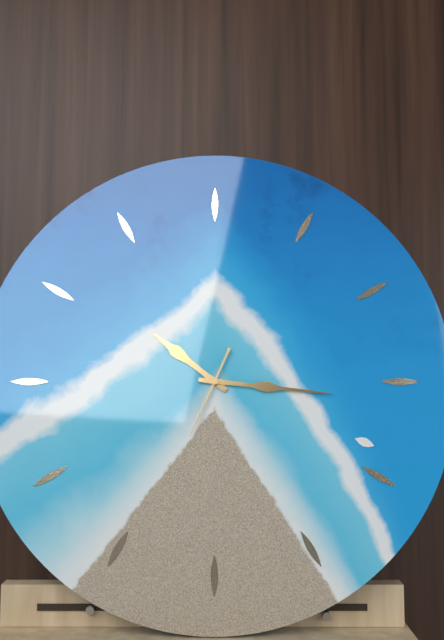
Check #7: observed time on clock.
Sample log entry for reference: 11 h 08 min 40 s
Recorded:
10 h 16 min 34 s
